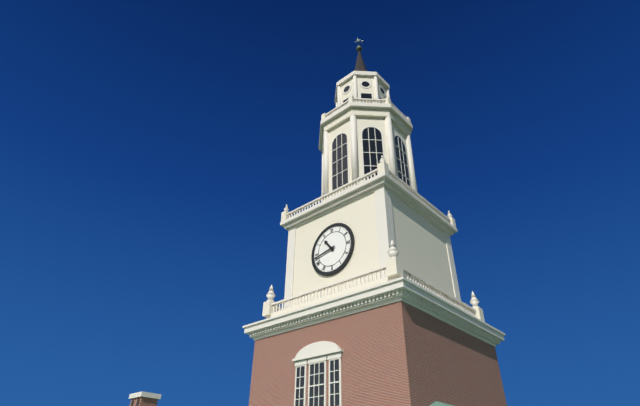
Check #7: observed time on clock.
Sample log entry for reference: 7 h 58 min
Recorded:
10 h 43 min
